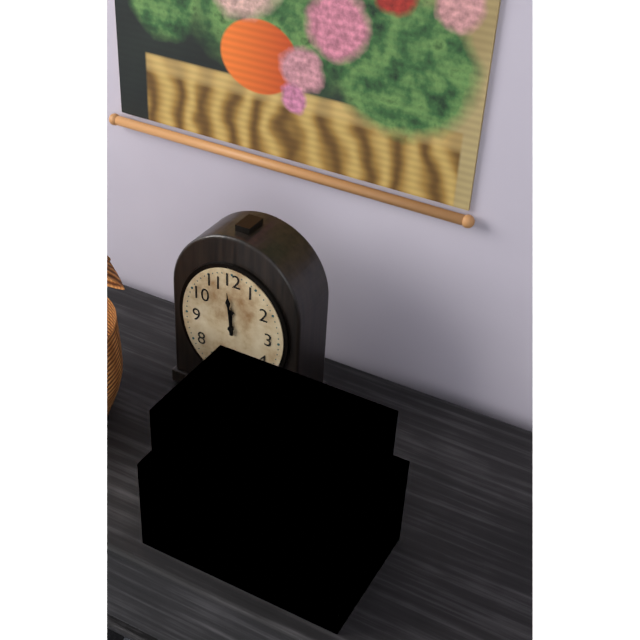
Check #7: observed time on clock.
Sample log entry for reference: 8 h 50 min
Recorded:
11 h 59 min
